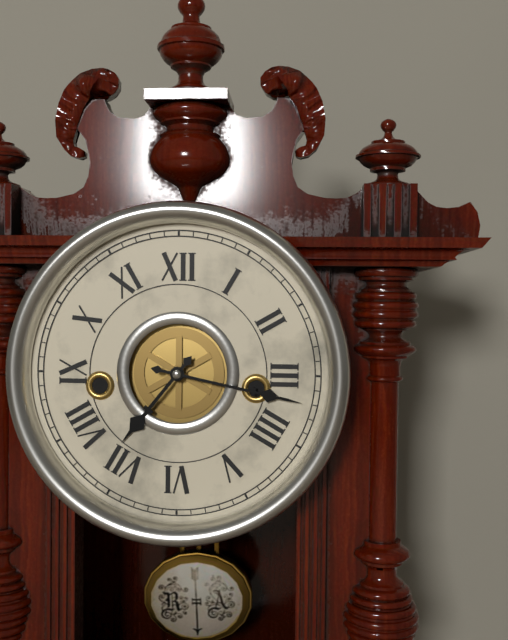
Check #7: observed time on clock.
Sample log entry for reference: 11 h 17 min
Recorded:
7 h 17 min
